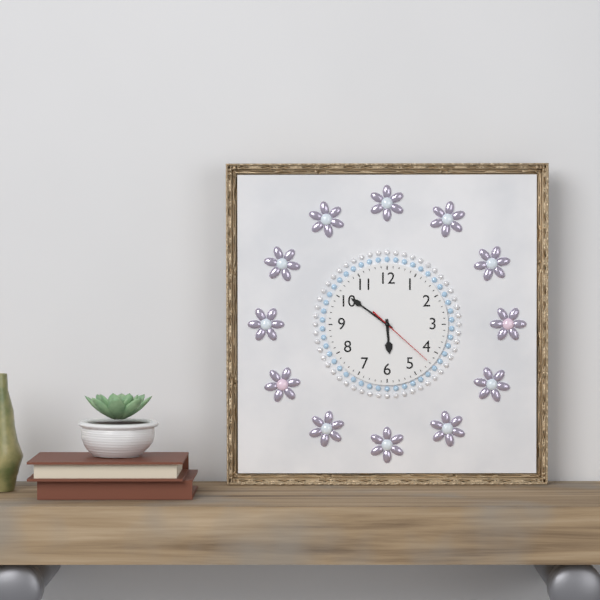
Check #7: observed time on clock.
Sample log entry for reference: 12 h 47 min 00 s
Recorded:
5 h 51 min 22 s
